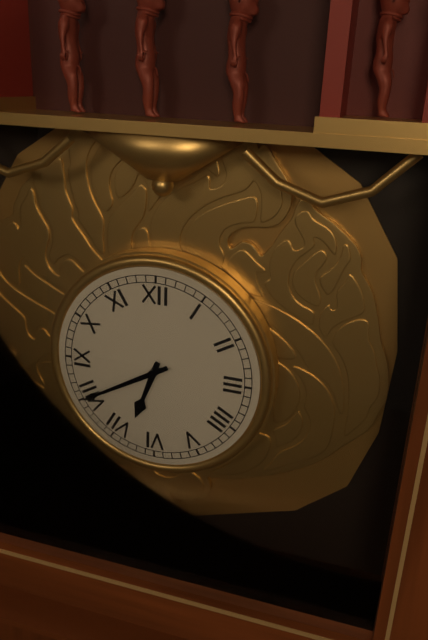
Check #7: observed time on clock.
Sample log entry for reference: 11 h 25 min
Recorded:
6 h 40 min
